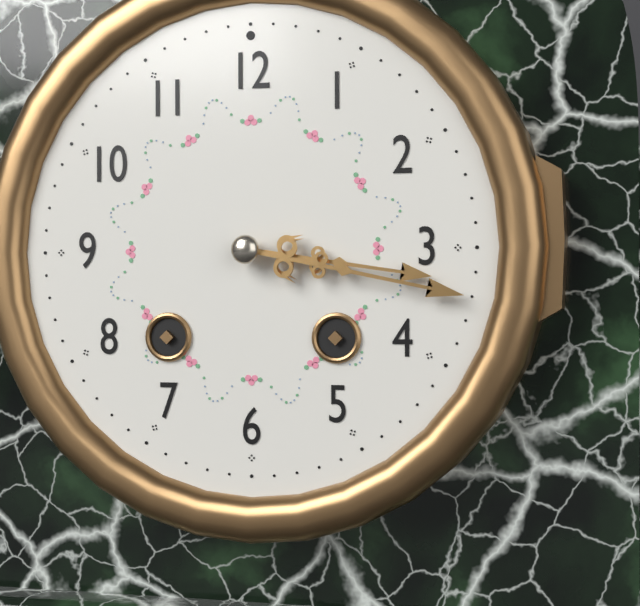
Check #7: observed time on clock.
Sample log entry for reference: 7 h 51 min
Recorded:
3 h 17 min
